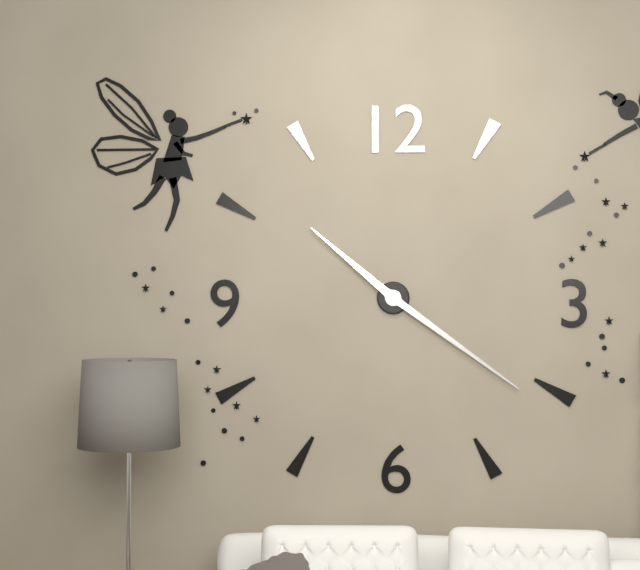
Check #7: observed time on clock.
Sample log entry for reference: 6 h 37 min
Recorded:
10 h 21 min
